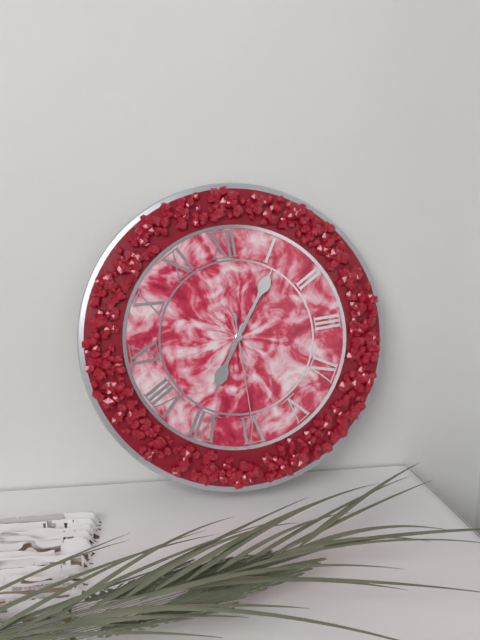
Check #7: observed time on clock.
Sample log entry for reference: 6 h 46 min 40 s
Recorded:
7 h 06 min 30 s
